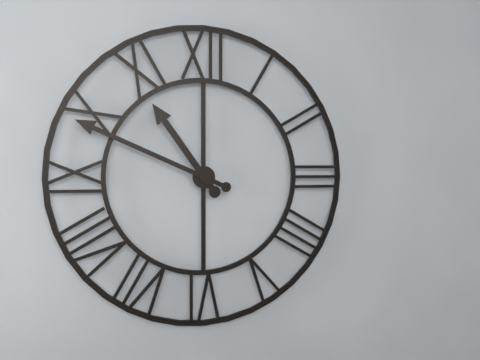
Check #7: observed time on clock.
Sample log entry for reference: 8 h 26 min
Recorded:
10 h 49 min
